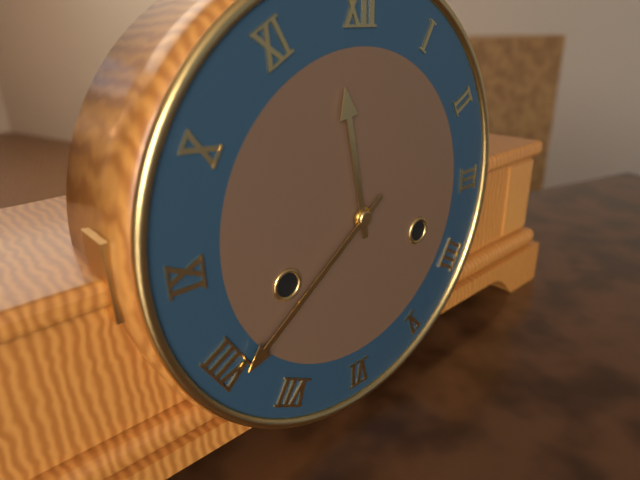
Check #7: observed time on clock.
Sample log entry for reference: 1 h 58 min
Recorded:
11 h 39 min
